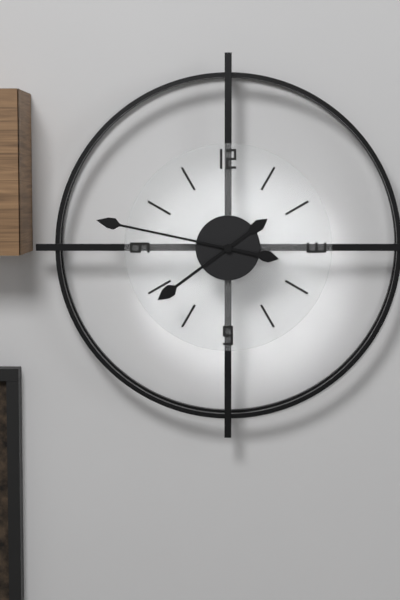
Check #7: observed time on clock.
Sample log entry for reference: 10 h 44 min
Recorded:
7 h 47 min
